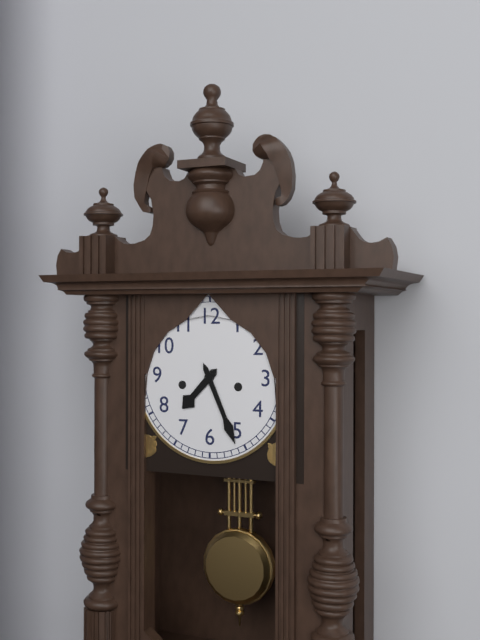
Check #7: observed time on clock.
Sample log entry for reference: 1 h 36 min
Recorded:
7 h 26 min
